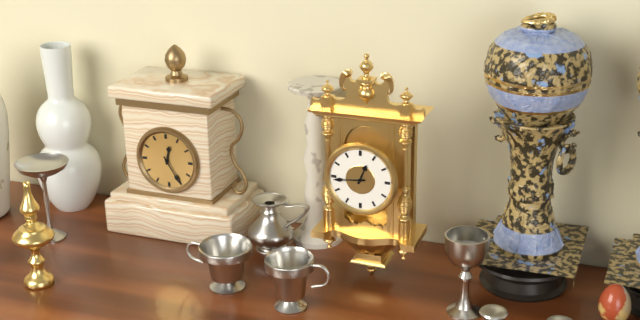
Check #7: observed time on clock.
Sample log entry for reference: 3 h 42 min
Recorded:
12 h 44 min
